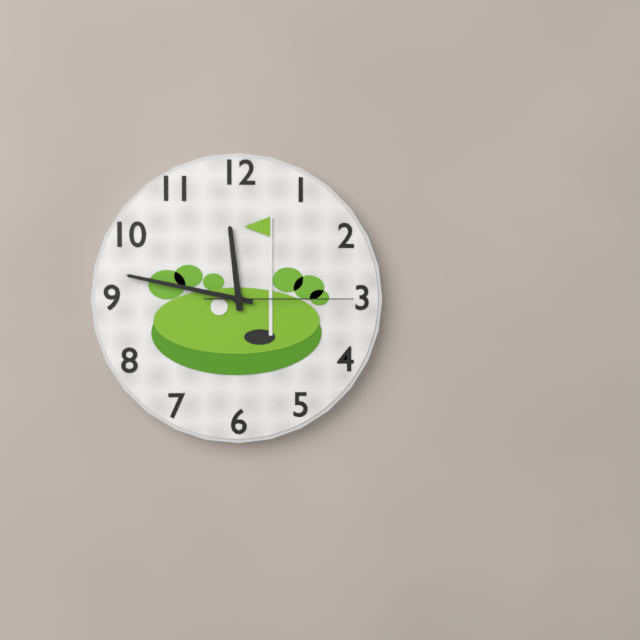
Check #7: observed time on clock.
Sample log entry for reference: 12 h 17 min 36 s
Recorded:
11 h 47 min 15 s
